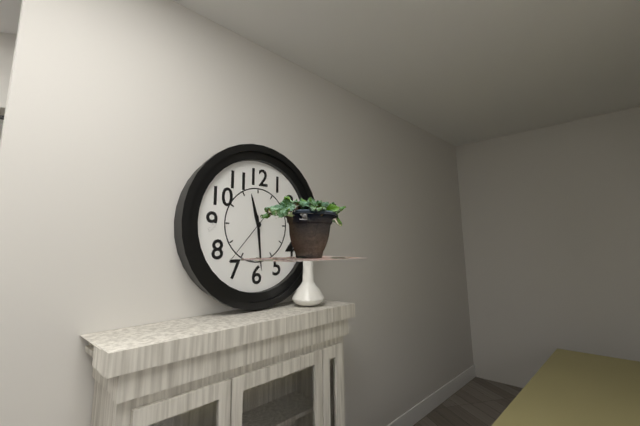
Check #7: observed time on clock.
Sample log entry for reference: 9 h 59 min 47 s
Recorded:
11 h 29 min 37 s
